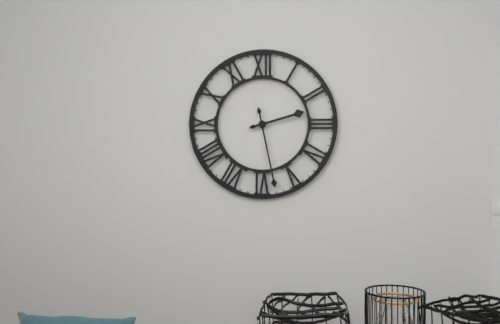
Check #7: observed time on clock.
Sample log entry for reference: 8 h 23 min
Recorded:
2 h 28 min
